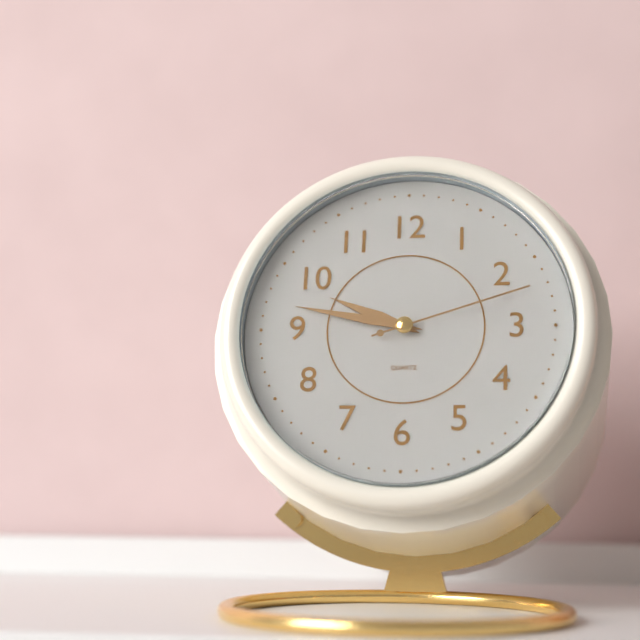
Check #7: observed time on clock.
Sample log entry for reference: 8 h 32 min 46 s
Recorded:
9 h 47 min 12 s
